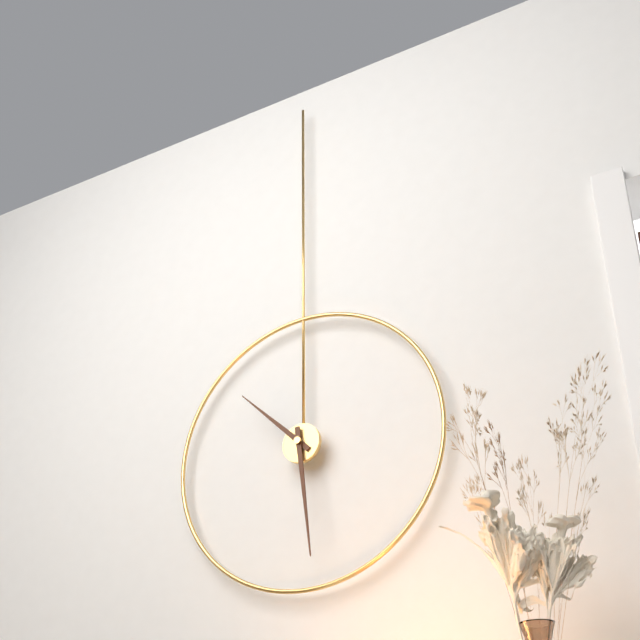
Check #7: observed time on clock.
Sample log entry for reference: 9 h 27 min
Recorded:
10 h 29 min
